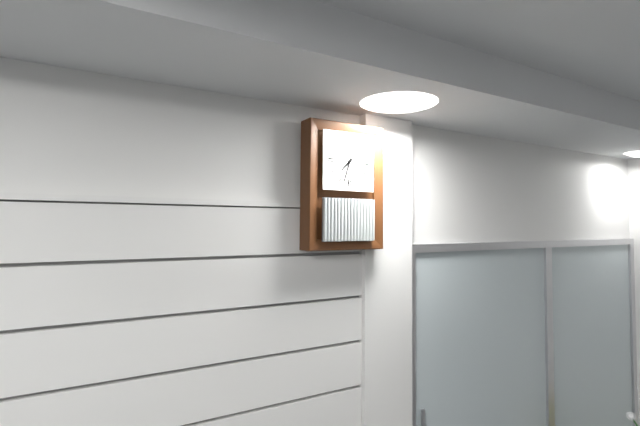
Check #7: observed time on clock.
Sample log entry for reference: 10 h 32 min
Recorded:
7 h 33 min
